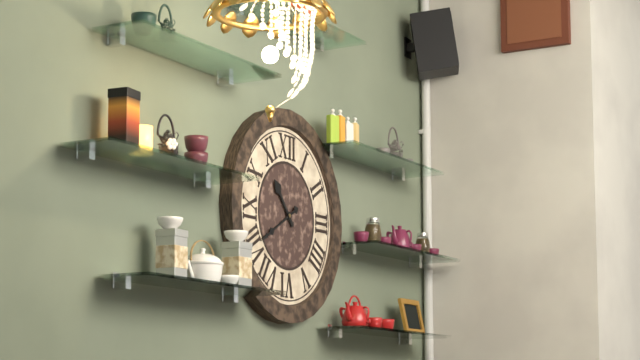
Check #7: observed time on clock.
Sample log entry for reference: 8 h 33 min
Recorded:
10 h 40 min
